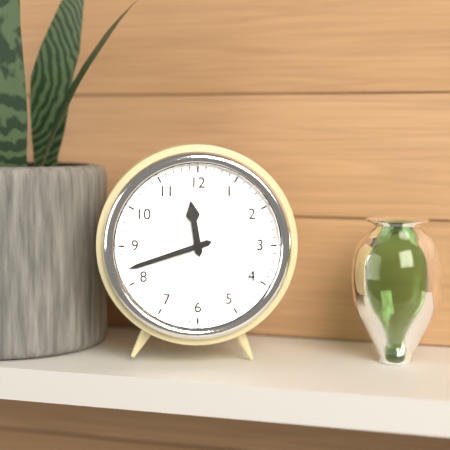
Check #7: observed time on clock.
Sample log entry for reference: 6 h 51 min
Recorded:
11 h 42 min
